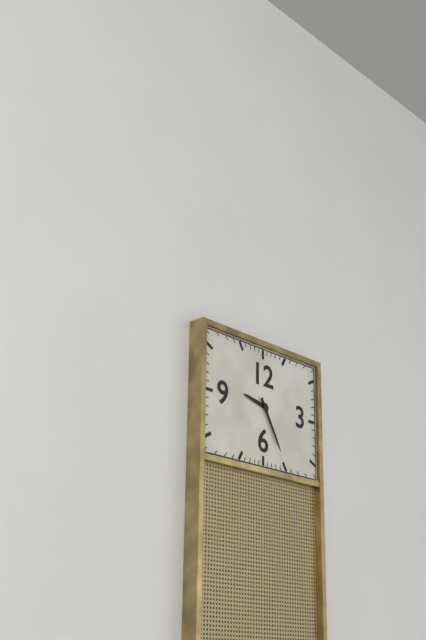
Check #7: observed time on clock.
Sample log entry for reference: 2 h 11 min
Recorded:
9 h 25 min
